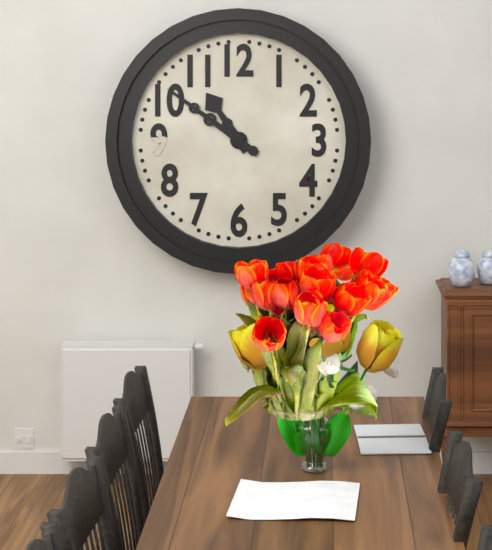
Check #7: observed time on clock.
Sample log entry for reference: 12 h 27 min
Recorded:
10 h 51 min
